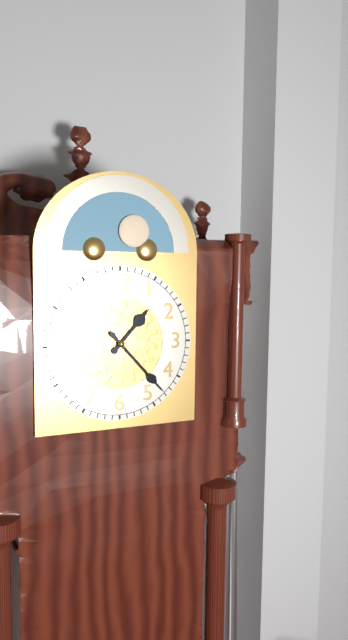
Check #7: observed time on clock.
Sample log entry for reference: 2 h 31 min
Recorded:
1 h 23 min
